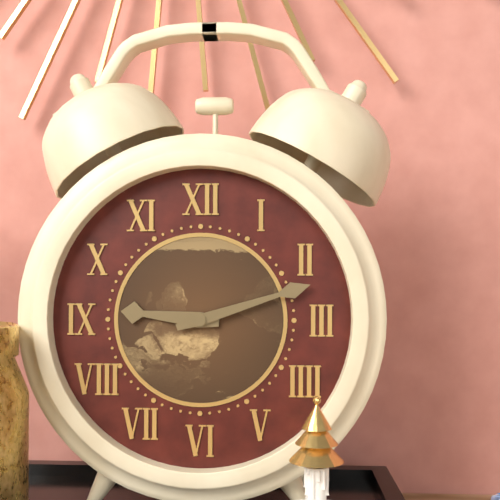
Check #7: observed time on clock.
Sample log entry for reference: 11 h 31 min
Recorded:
9 h 12 min
